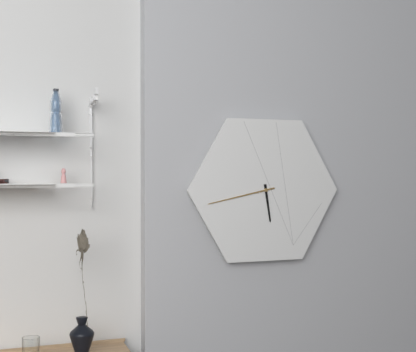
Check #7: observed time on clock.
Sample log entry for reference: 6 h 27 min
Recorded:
5 h 43 min
